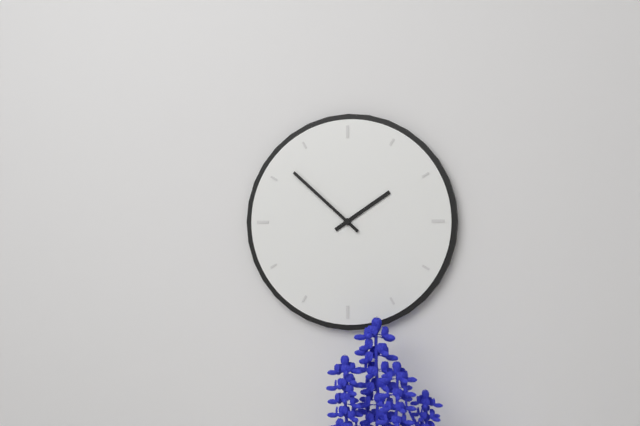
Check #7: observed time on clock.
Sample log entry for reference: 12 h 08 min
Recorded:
1 h 52 min
